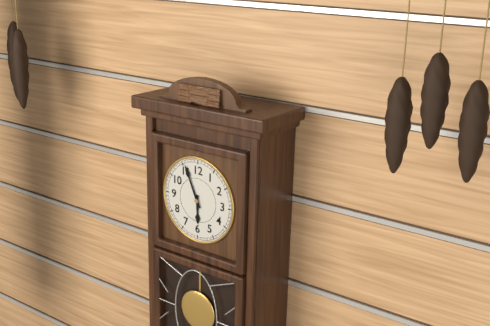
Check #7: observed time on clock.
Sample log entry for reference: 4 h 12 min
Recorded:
5 h 56 min
